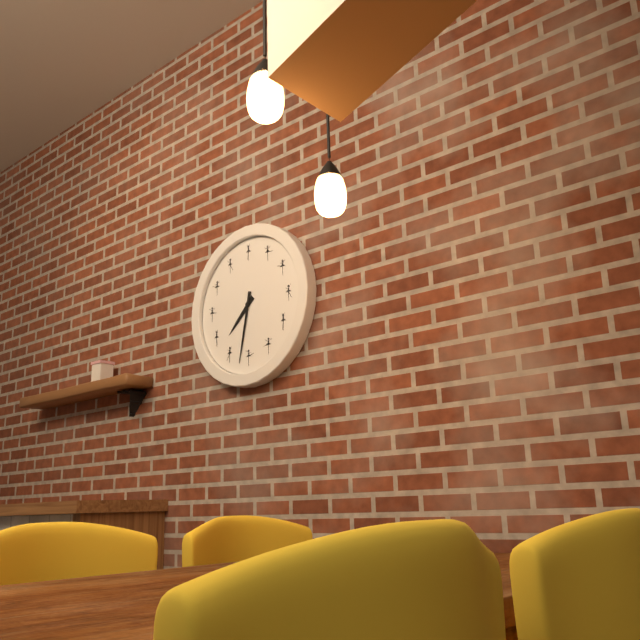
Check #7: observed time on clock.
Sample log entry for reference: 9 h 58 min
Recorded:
7 h 32 min
